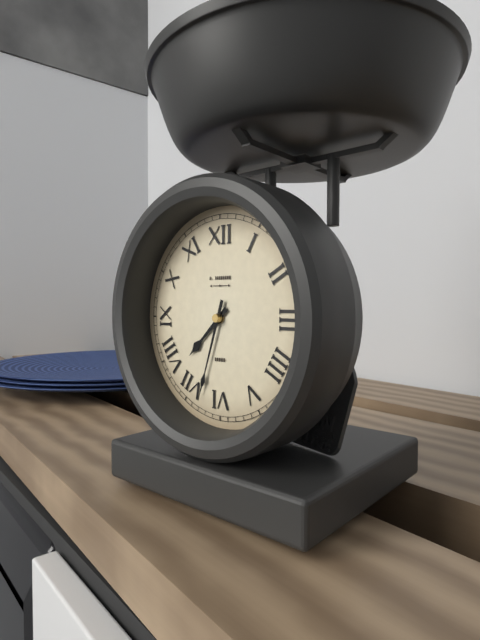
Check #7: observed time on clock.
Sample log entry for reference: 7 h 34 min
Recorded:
7 h 33 min
